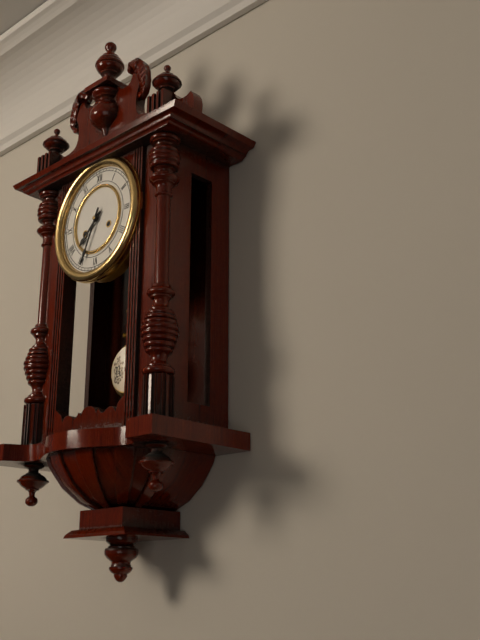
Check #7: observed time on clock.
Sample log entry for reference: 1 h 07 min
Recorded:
7 h 34 min
